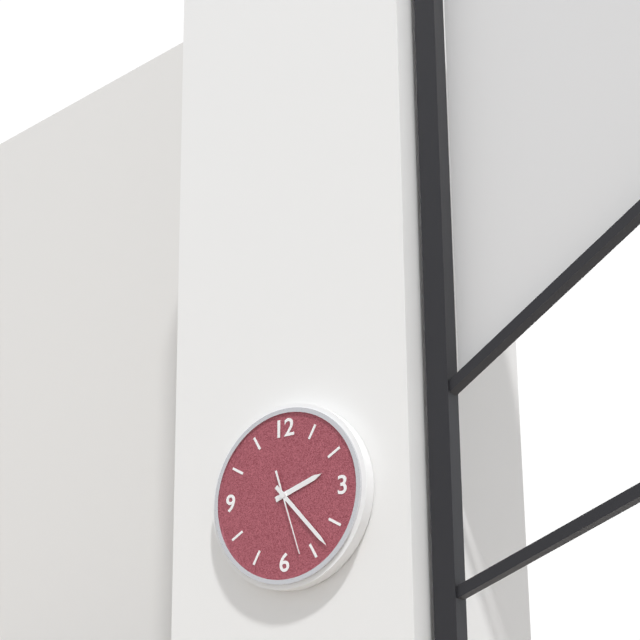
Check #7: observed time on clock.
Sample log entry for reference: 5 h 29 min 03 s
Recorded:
2 h 23 min 27 s
